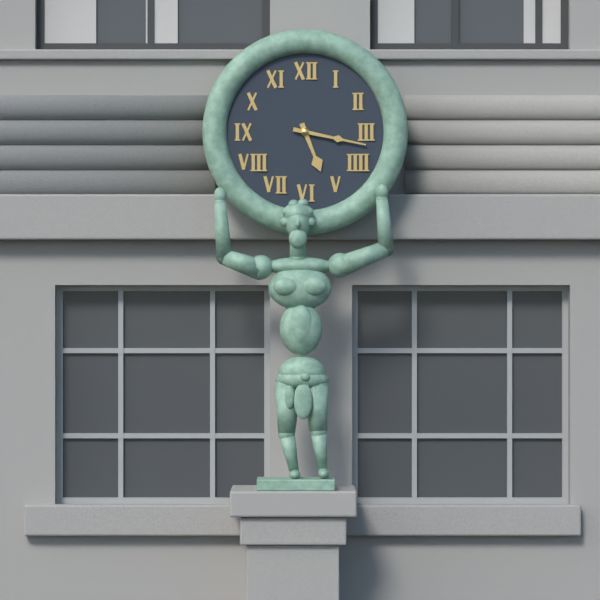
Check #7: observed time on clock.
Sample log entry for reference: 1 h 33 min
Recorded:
5 h 17 min
